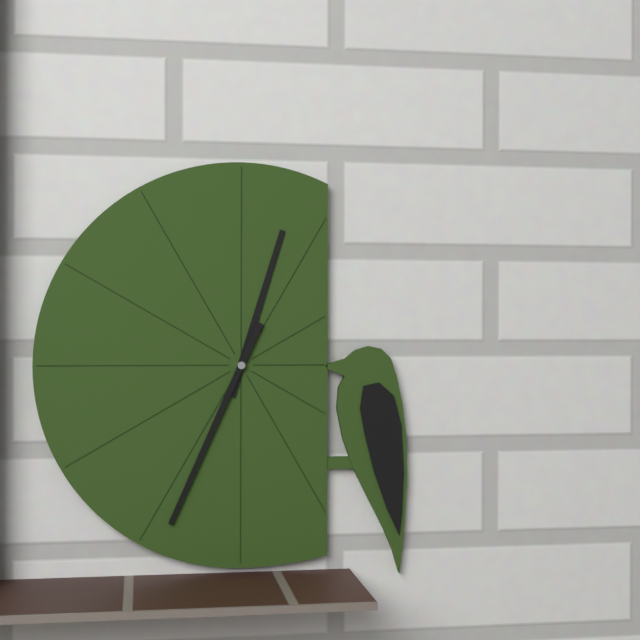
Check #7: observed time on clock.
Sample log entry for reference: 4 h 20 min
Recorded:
12 h 34 min
